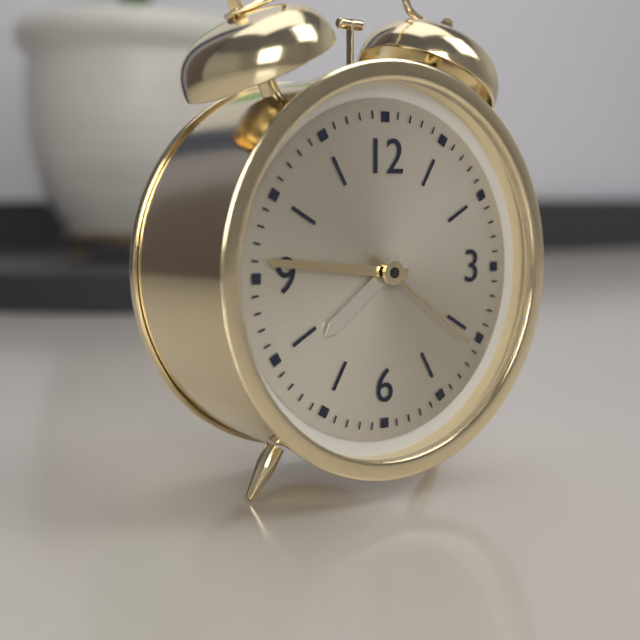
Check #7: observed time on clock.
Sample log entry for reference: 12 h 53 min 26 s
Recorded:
7 h 46 min 21 s
